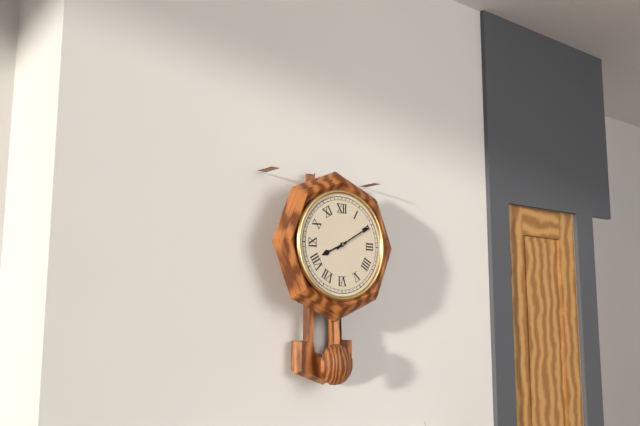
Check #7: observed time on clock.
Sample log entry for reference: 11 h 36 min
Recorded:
8 h 10 min
